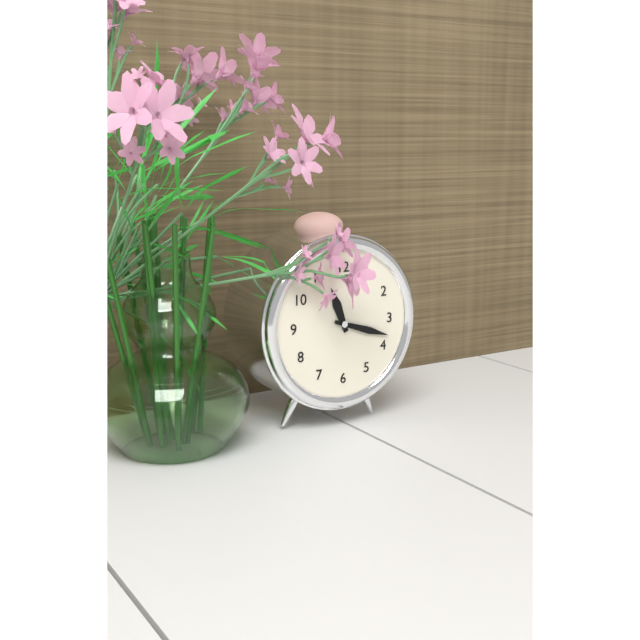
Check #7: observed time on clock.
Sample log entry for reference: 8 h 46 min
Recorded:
11 h 18 min
